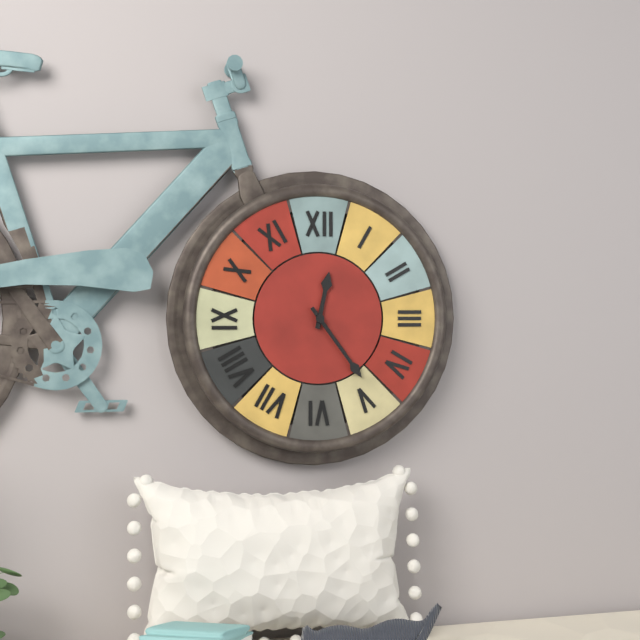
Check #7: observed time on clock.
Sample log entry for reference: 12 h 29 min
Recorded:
12 h 24 min
